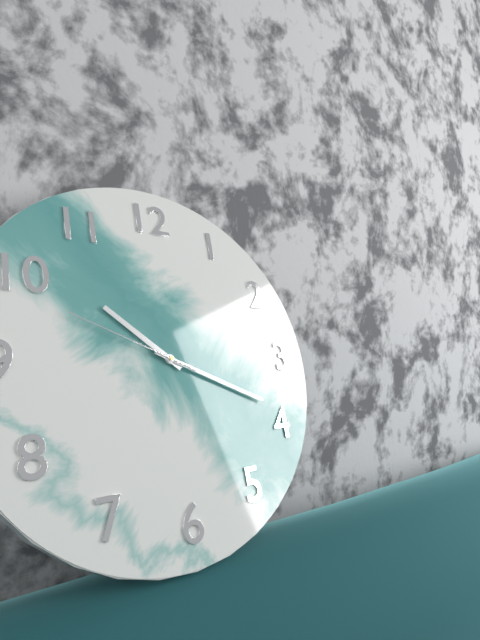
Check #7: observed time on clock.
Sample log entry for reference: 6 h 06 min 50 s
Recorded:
10 h 19 min 49 s
